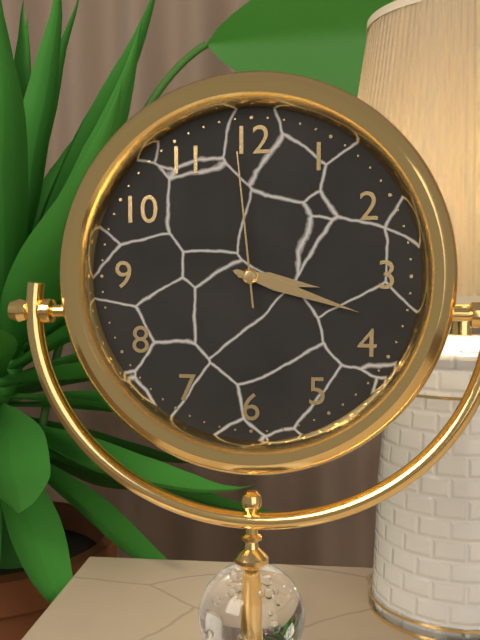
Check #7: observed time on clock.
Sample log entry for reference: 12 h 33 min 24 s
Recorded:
3 h 18 min 59 s
